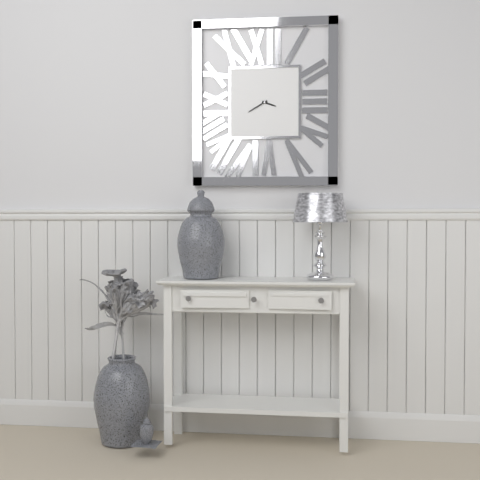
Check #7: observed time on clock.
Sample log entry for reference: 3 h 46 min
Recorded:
3 h 40 min
